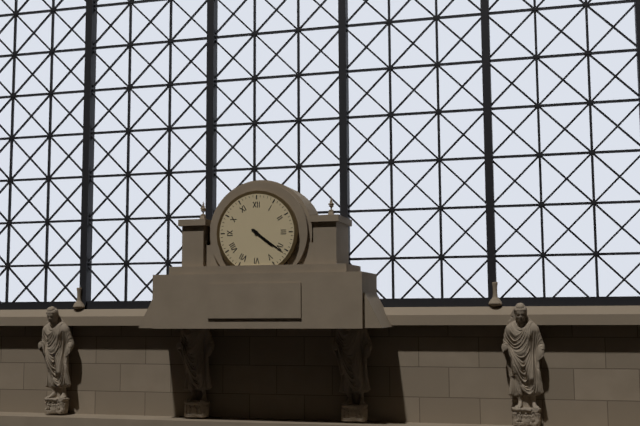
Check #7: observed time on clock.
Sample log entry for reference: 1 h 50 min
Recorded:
4 h 21 min
